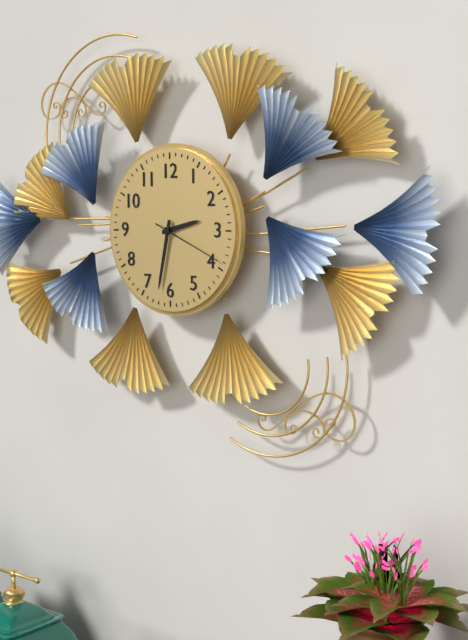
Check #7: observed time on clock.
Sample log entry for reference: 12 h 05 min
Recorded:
2 h 32 min
